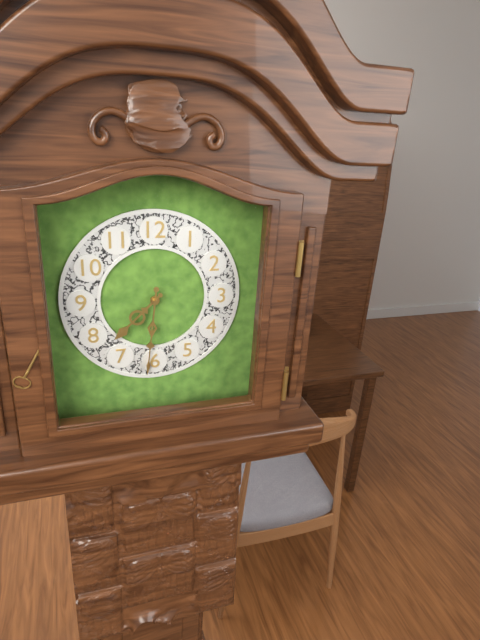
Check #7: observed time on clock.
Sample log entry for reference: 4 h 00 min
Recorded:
7 h 31 min
